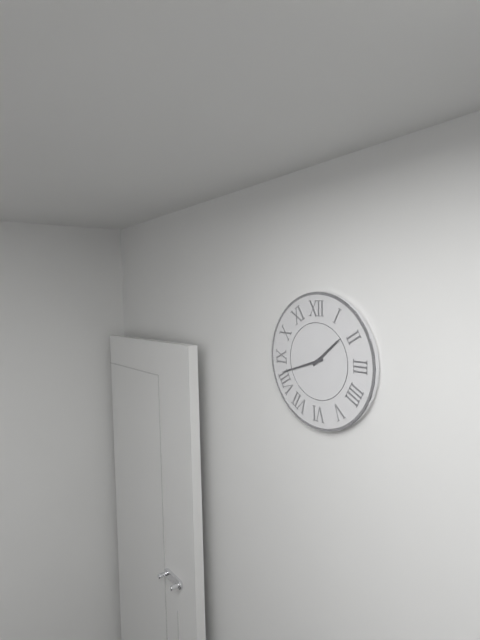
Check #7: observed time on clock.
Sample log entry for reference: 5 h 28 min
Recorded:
1 h 42 min
